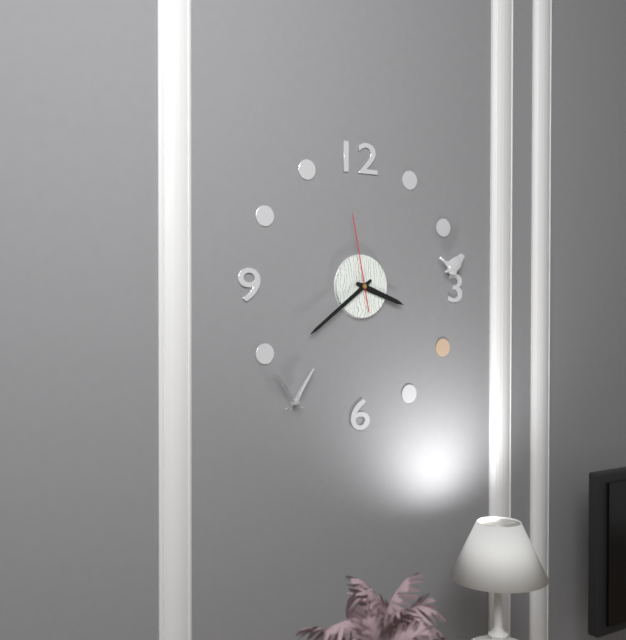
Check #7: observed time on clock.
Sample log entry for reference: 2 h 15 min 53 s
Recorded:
3 h 39 min 58 s
